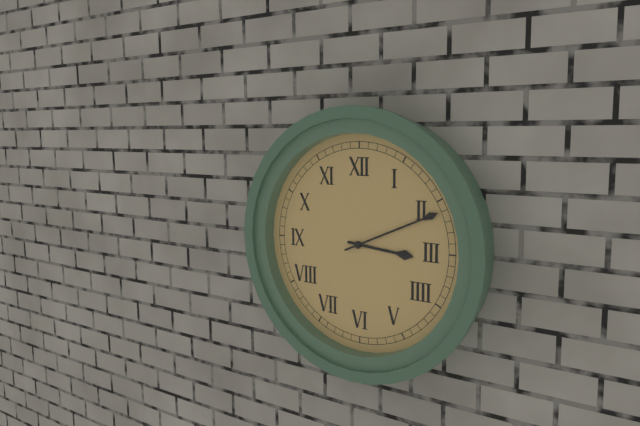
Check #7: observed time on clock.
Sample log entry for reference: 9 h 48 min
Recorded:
3 h 11 min
